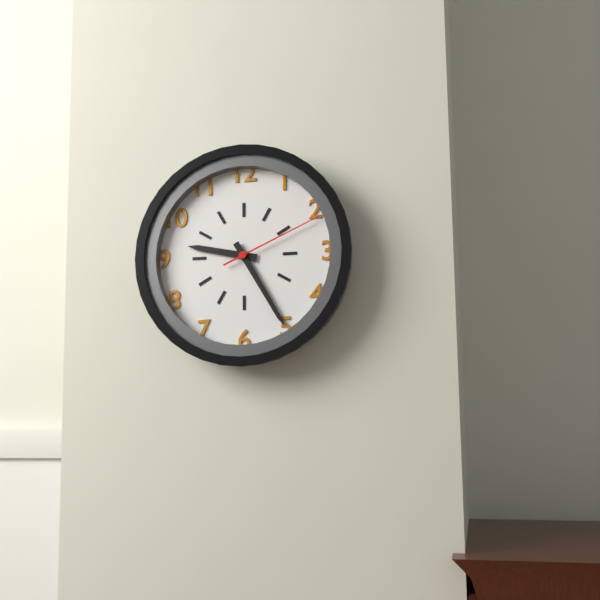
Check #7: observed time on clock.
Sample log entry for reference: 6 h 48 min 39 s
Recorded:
9 h 25 min 11 s
